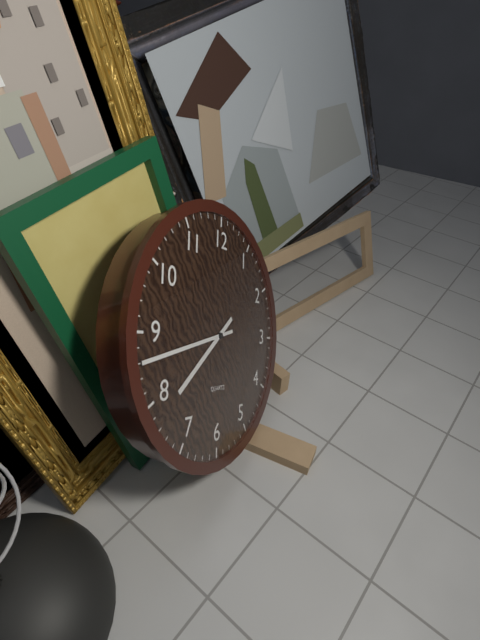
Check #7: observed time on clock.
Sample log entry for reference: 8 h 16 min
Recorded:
7 h 43 min
